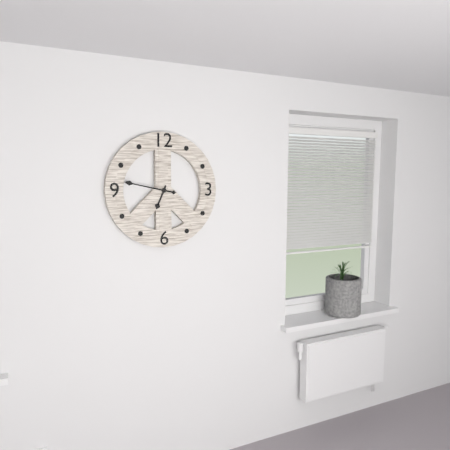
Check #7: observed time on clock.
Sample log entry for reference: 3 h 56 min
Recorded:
6 h 47 min
